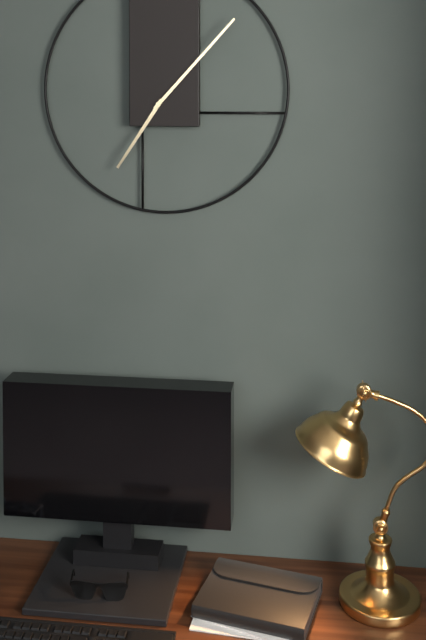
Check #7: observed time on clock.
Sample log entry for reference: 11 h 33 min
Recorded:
7 h 07 min
